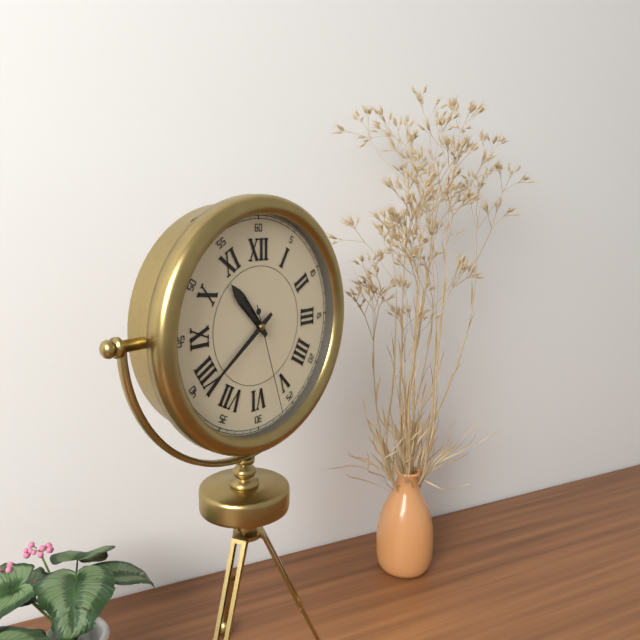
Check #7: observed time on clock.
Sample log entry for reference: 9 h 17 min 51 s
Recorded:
10 h 39 min 27 s
